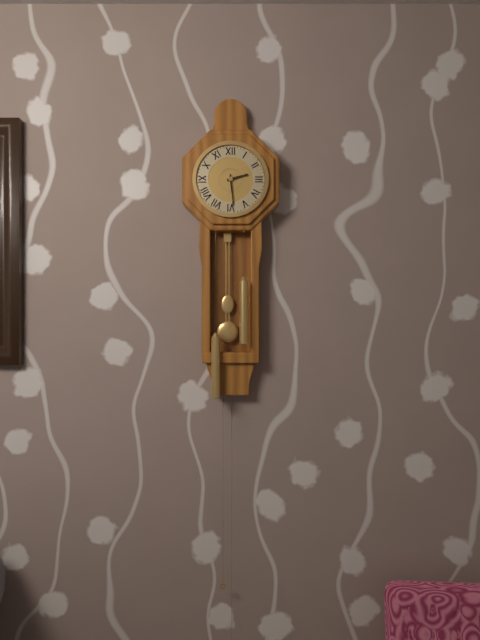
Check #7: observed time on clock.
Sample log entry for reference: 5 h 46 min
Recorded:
2 h 29 min
